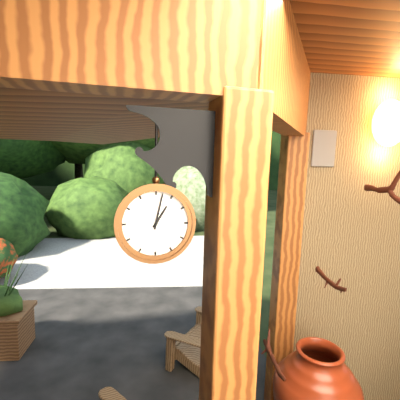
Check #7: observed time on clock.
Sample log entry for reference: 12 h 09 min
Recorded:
1 h 02 min
